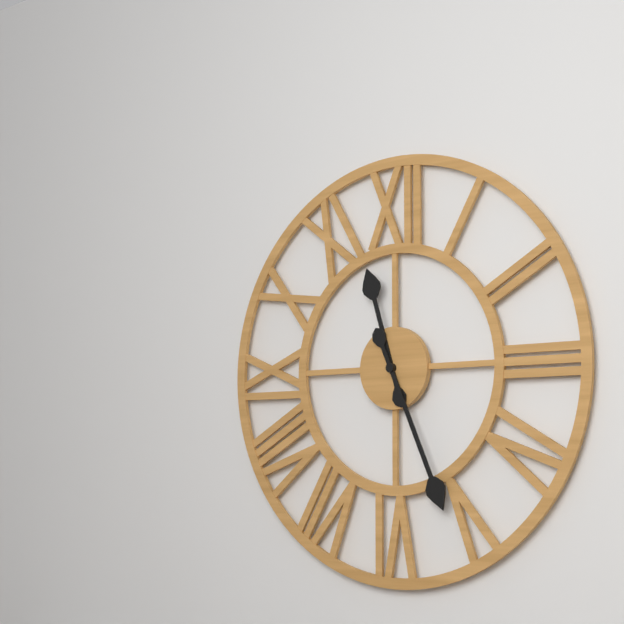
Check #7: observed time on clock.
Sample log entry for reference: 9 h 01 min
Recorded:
11 h 26 min
